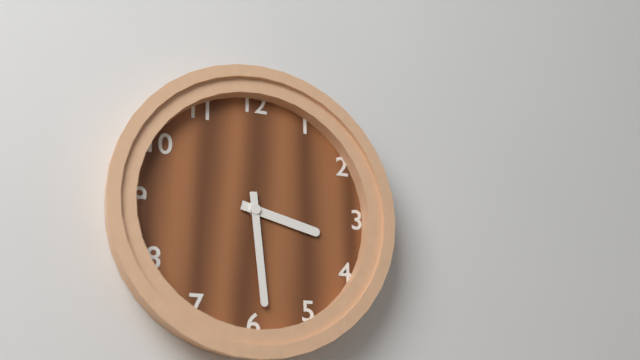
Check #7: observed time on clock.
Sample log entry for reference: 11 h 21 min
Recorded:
3 h 29 min
